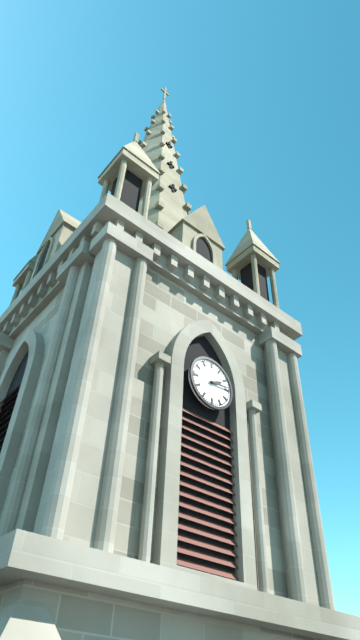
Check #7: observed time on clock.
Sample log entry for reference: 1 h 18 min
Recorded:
2 h 14 min
